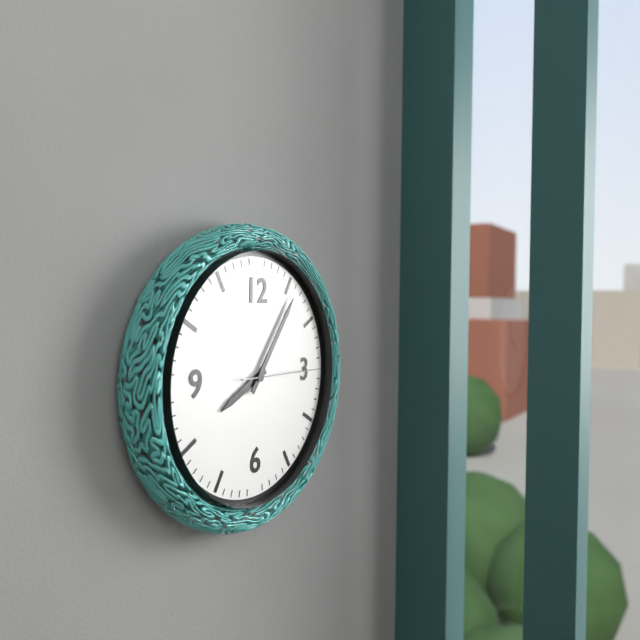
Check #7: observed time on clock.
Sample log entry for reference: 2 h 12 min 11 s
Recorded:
8 h 06 min 15 s
